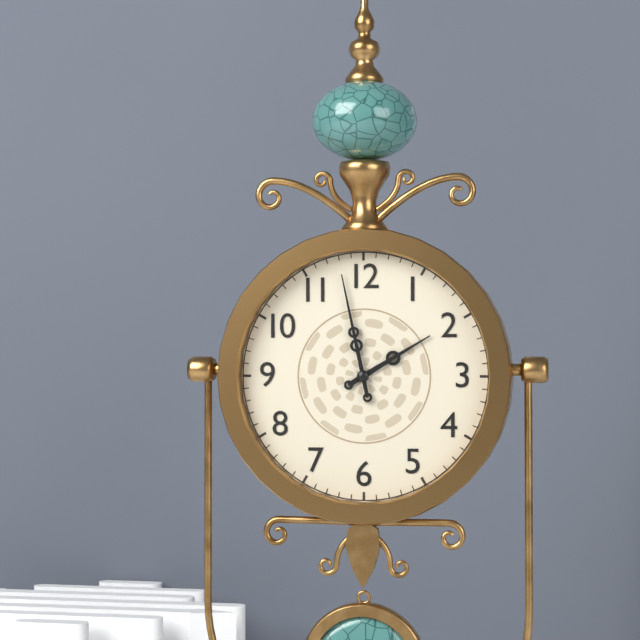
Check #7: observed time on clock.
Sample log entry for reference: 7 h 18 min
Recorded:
1 h 58 min
